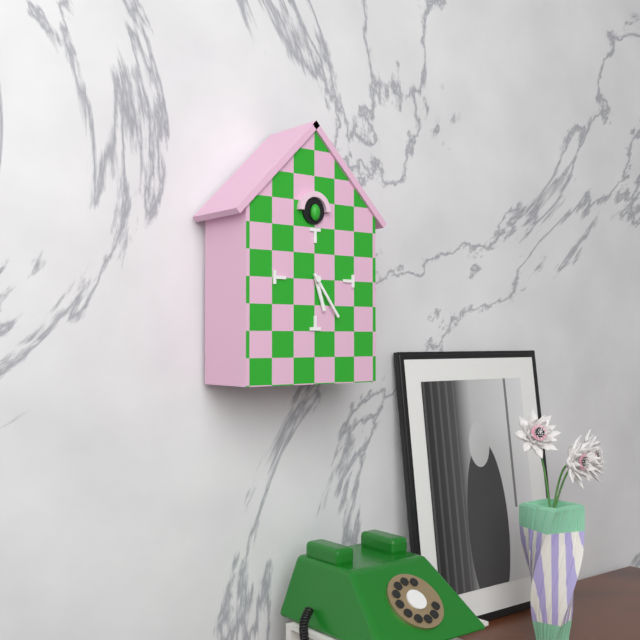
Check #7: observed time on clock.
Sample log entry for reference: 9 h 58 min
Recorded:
5 h 24 min
